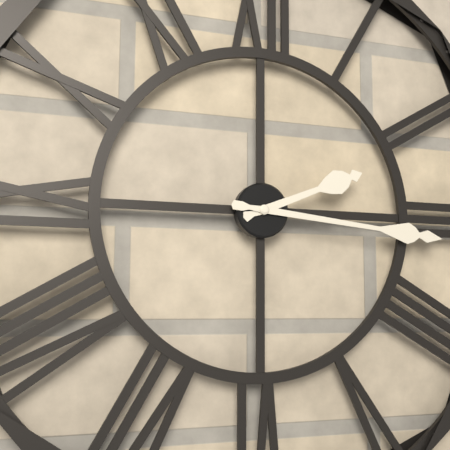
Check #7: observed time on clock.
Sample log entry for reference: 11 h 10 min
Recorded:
2 h 16 min
